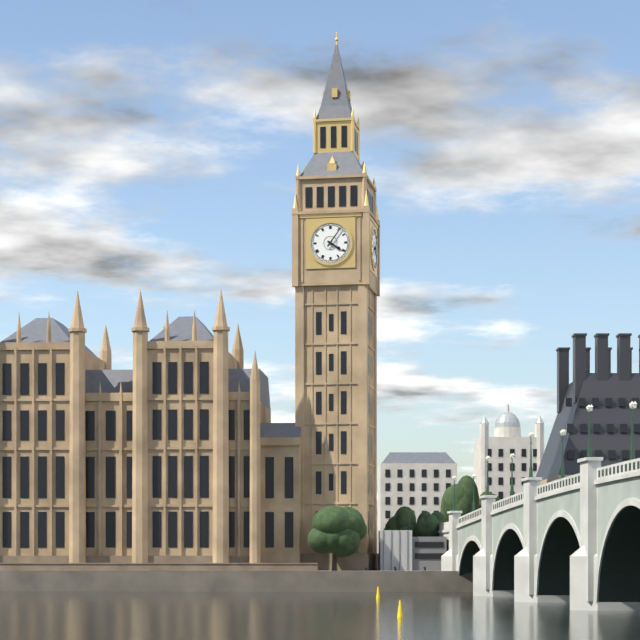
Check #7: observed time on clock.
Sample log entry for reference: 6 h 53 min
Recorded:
4 h 06 min
